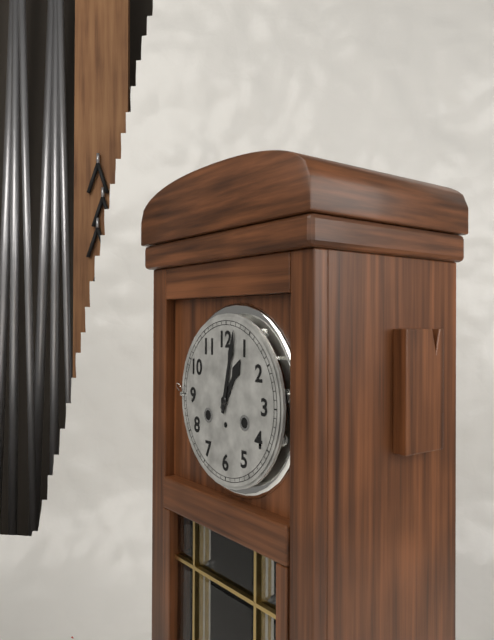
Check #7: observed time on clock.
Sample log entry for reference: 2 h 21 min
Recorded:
1 h 02 min
